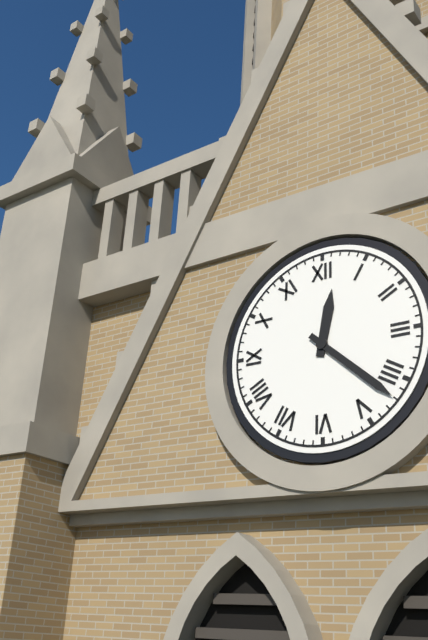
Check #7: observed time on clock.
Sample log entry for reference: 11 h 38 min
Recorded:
12 h 22 min
